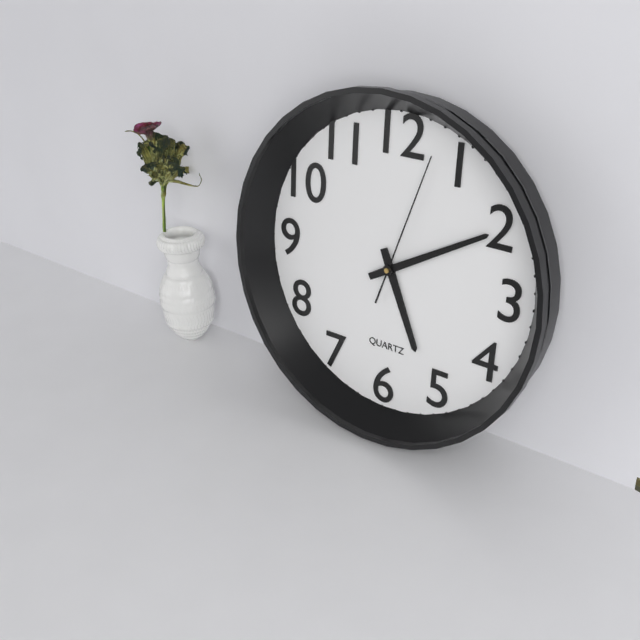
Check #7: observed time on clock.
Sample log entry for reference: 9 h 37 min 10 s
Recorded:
5 h 10 min 03 s
